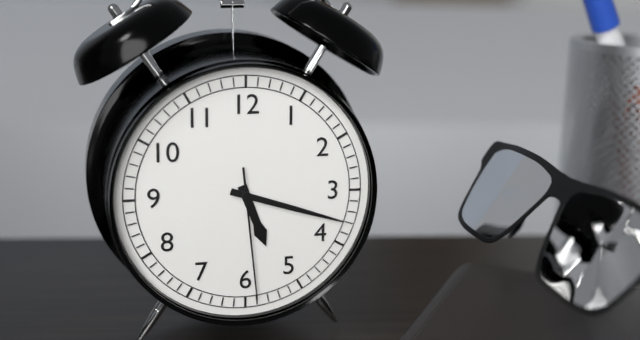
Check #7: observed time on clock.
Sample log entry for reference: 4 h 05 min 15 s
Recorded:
5 h 18 min 29 s
